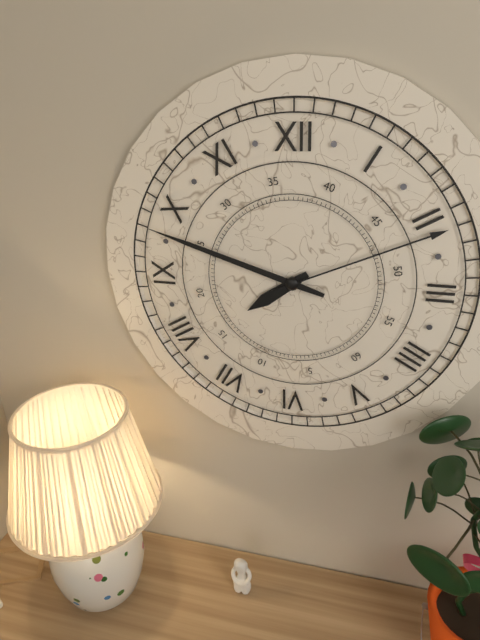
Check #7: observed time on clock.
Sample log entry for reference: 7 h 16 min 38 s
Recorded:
7 h 48 min 11 s
